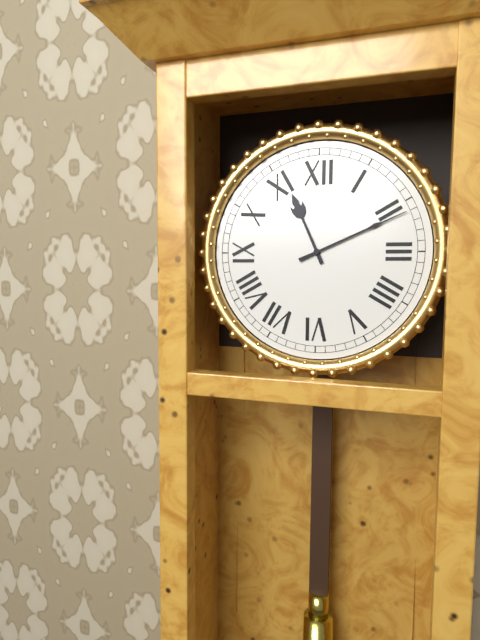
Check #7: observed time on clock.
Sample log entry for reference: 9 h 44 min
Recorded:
11 h 11 min
